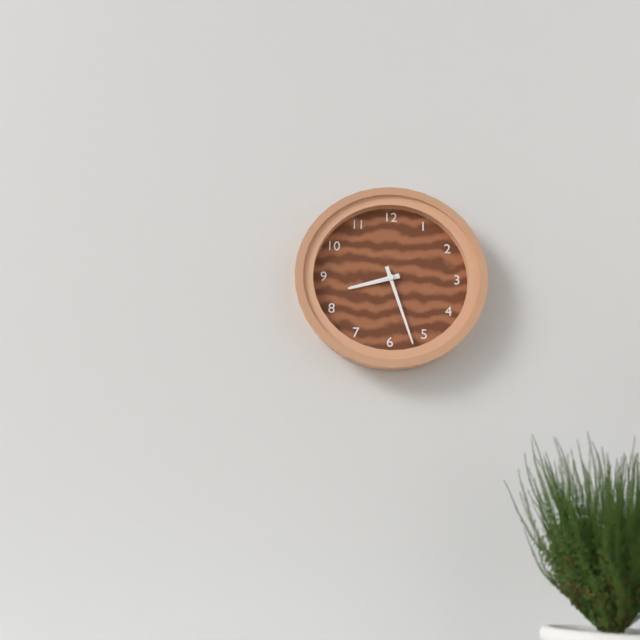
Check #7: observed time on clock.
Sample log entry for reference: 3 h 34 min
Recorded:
8 h 27 min
